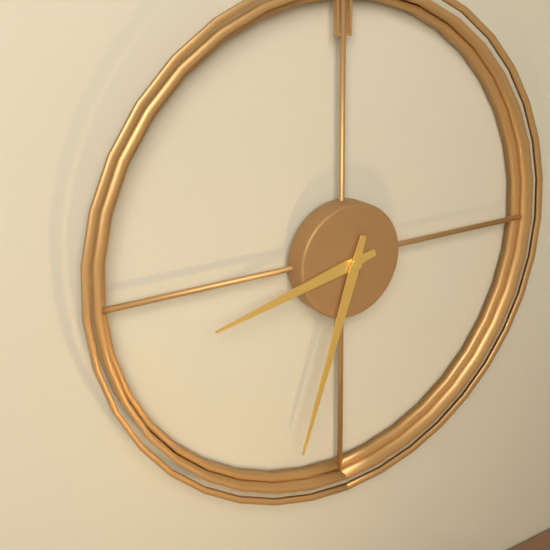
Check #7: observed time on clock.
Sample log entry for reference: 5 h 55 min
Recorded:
8 h 33 min
